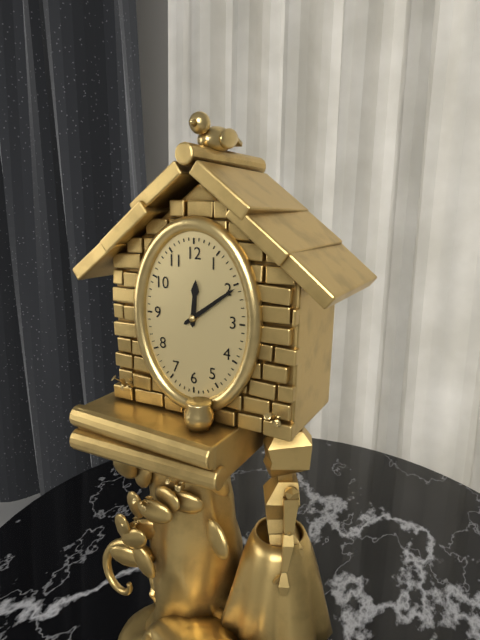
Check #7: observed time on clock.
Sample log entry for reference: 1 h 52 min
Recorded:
12 h 09 min
